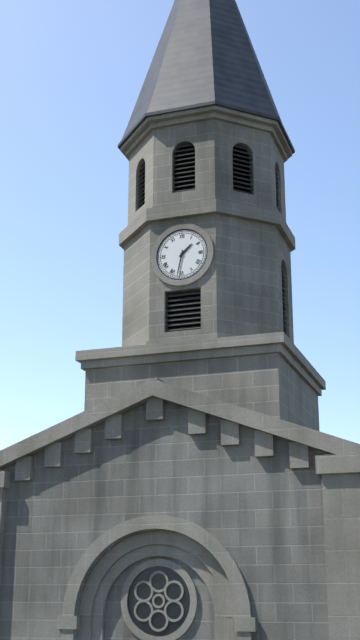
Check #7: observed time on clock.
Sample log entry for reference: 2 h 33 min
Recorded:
1 h 32 min
